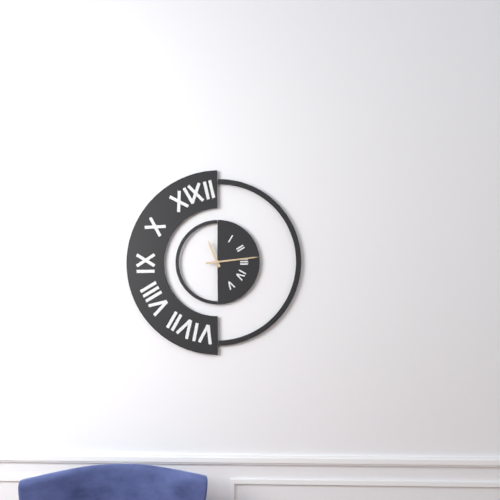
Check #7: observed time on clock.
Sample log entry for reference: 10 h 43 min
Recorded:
11 h 14 min
